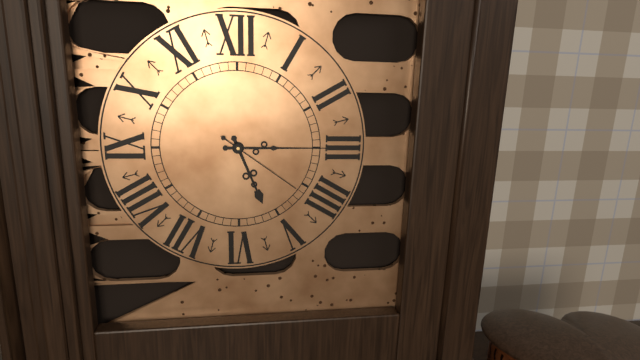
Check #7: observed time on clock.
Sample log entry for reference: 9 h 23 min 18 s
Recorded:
5 h 15 min 21 s
